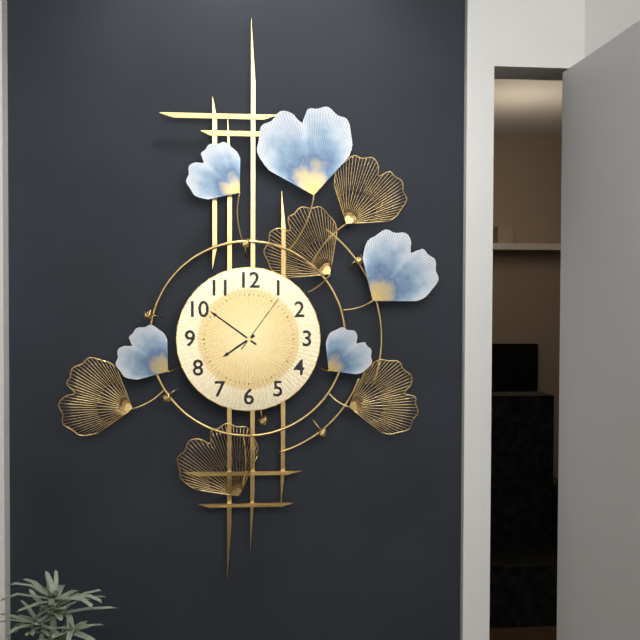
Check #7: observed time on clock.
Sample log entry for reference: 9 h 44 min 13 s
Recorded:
7 h 51 min 06 s
